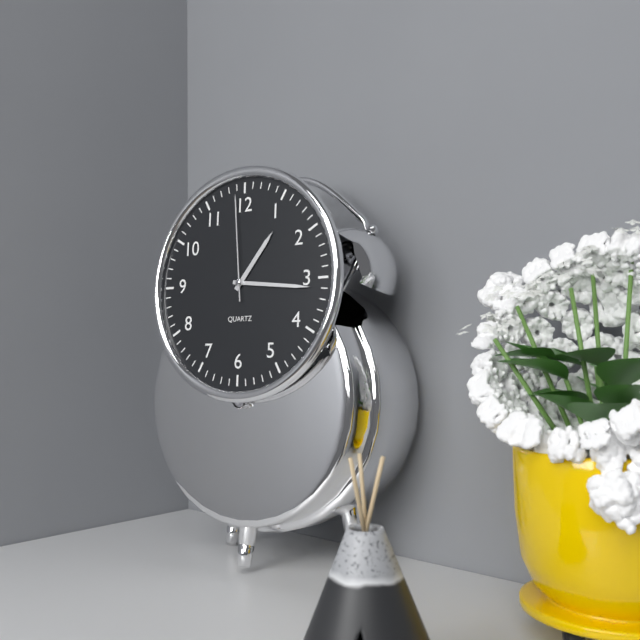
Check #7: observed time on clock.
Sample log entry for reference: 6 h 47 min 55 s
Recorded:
1 h 16 min 59 s
